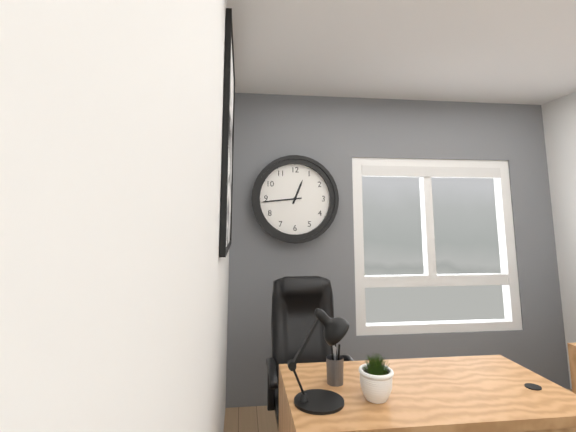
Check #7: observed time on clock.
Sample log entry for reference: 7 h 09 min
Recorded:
12 h 44 min
